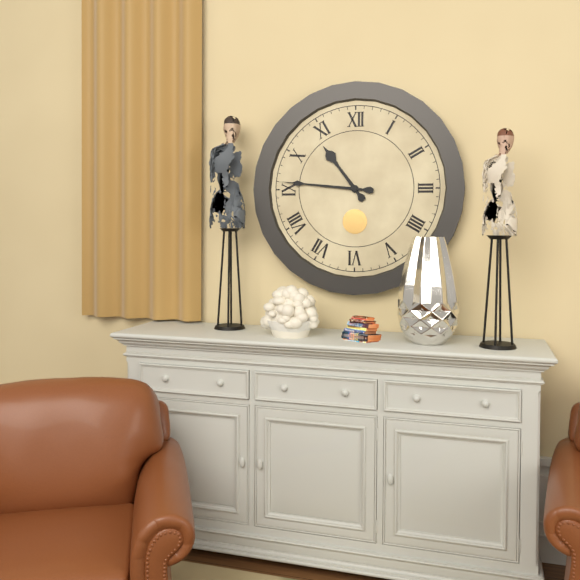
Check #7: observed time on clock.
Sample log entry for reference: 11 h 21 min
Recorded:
10 h 46 min
